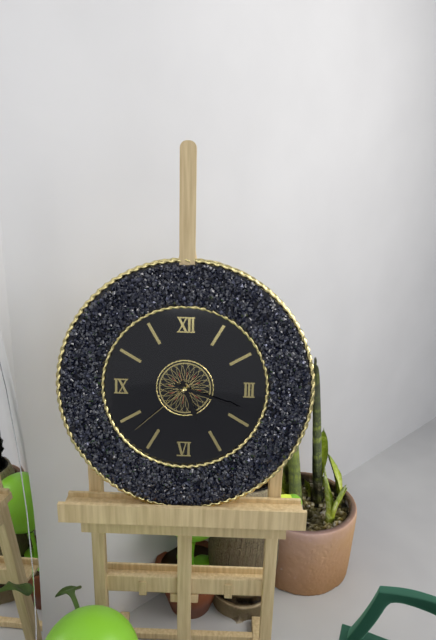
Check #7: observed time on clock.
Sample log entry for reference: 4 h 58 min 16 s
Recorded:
5 h 18 min 38 s
